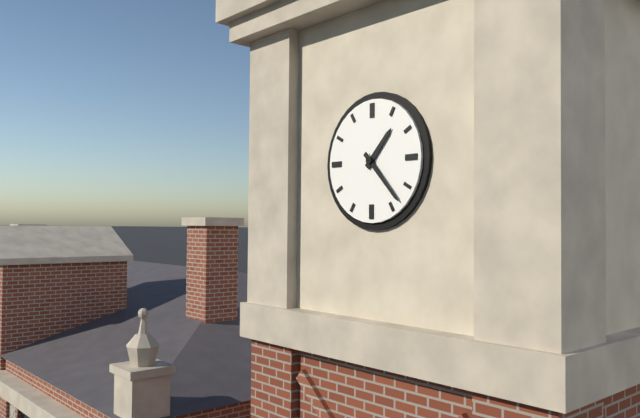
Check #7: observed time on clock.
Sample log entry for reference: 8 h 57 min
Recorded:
1 h 23 min
